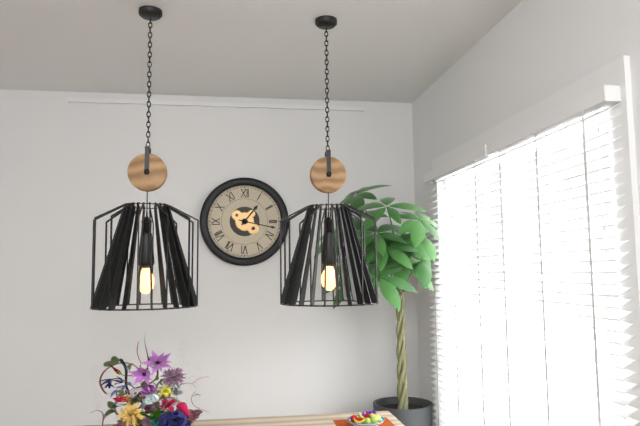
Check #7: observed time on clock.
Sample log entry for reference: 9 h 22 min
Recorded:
1 h 17 min
